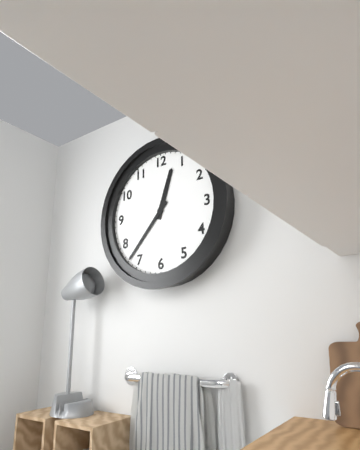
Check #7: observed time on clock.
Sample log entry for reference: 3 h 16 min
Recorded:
12 h 37 min
